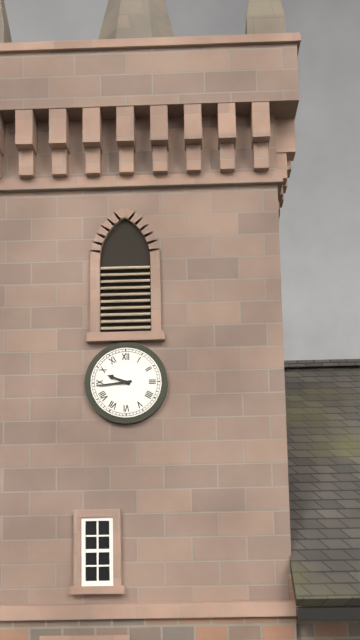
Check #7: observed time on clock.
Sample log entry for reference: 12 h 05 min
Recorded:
9 h 44 min
